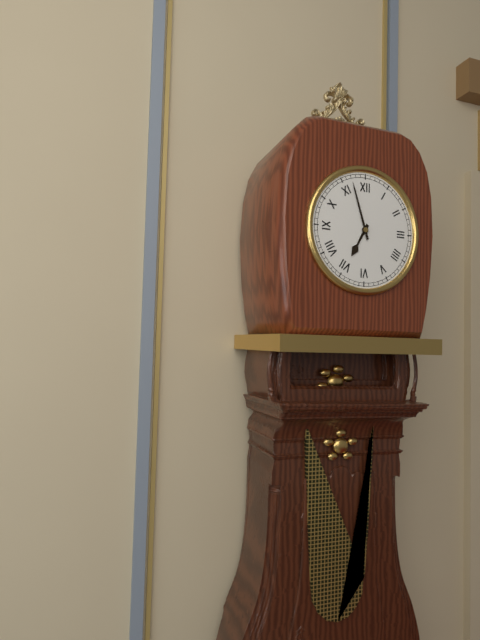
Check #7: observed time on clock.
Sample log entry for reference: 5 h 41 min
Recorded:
6 h 57 min
